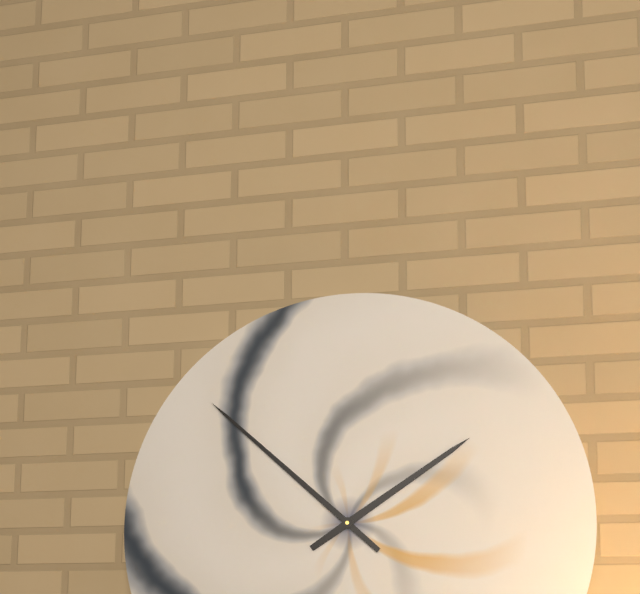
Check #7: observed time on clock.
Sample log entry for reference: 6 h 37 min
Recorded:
1 h 52 min
